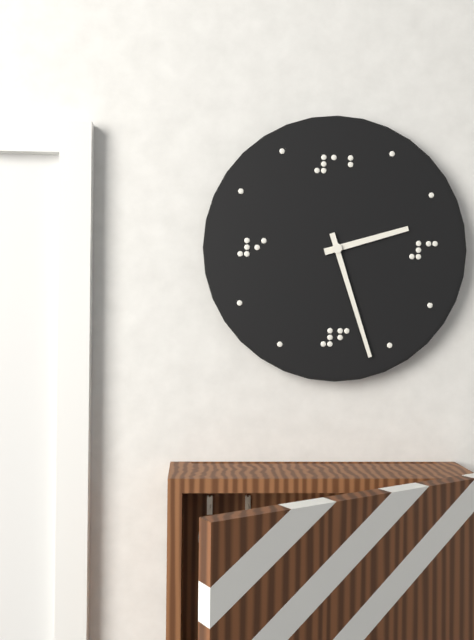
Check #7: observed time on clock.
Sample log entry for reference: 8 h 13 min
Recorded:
2 h 27 min
